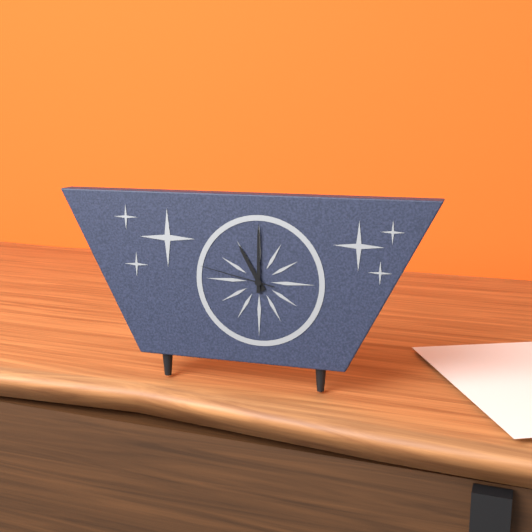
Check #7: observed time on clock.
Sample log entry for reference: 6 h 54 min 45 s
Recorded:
11 h 00 min 47 s
